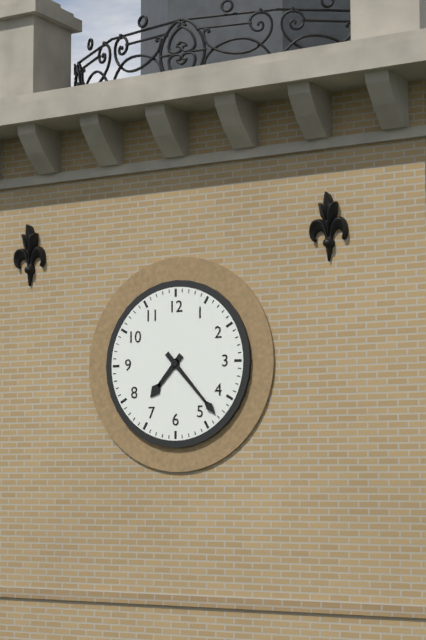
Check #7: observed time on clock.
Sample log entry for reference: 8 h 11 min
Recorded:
7 h 23 min
